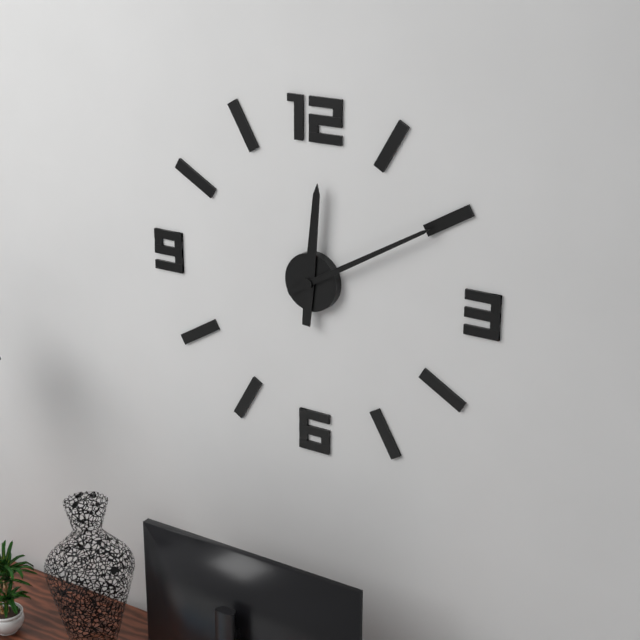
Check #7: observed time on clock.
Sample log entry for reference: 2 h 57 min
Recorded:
12 h 10 min
